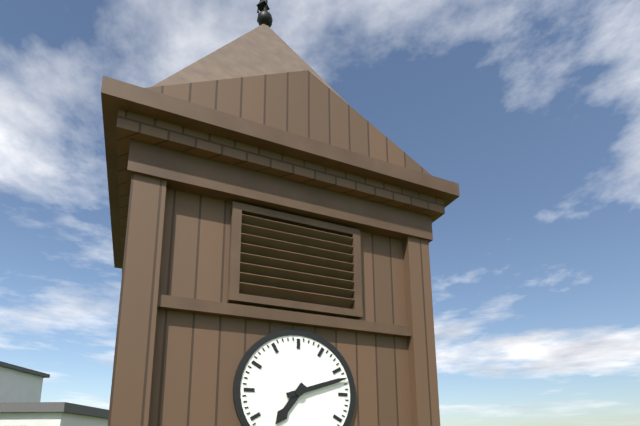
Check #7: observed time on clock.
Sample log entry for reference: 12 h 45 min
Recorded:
7 h 12 min
